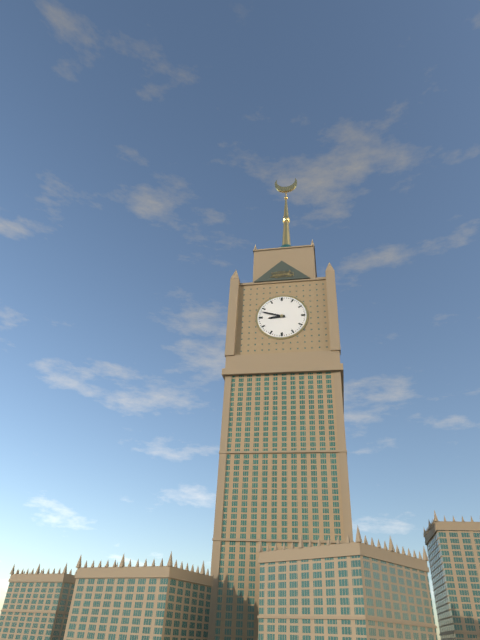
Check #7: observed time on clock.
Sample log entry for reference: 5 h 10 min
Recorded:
8 h 48 min
